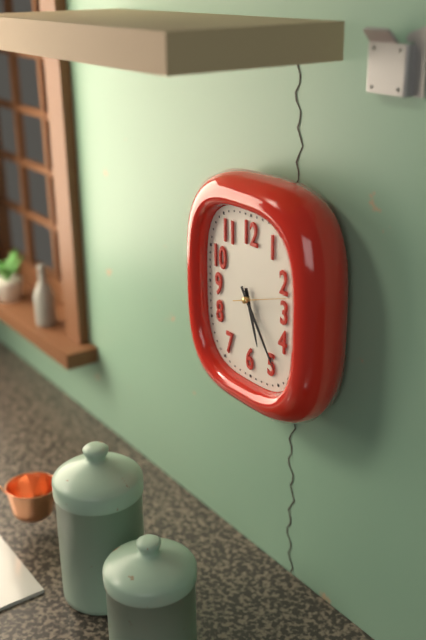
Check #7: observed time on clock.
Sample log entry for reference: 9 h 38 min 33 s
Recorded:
5 h 24 min 12 s
